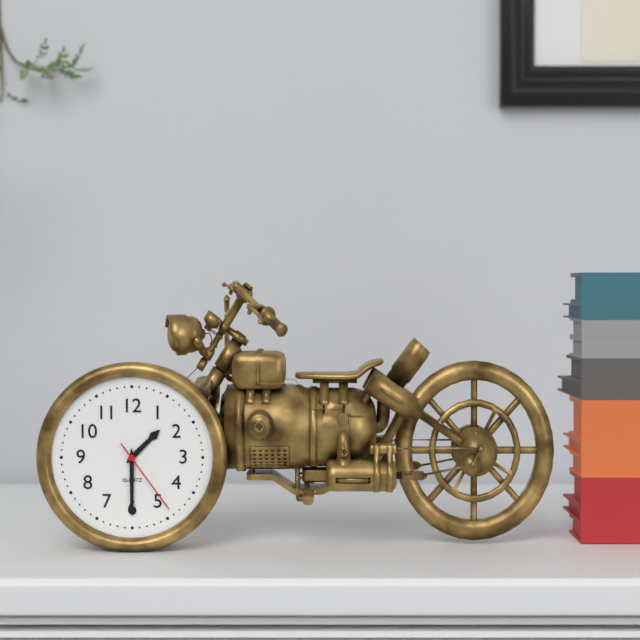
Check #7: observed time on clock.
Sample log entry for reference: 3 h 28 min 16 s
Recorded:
1 h 30 min 24 s
